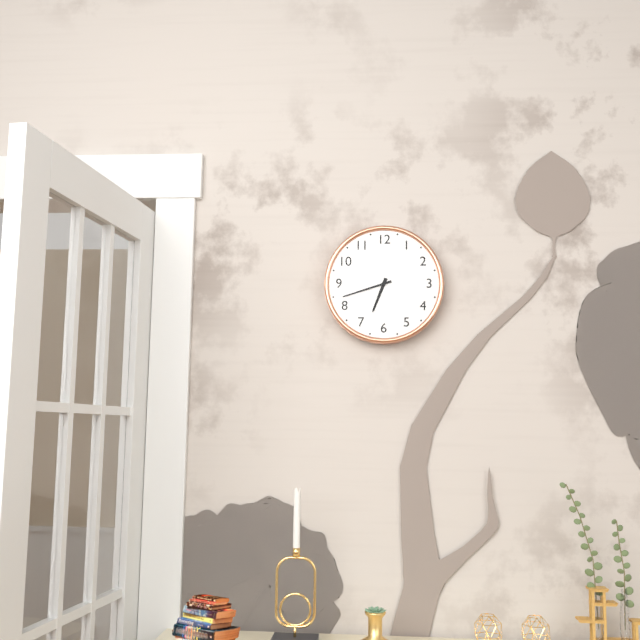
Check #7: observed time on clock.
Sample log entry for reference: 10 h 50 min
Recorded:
6 h 42 min
